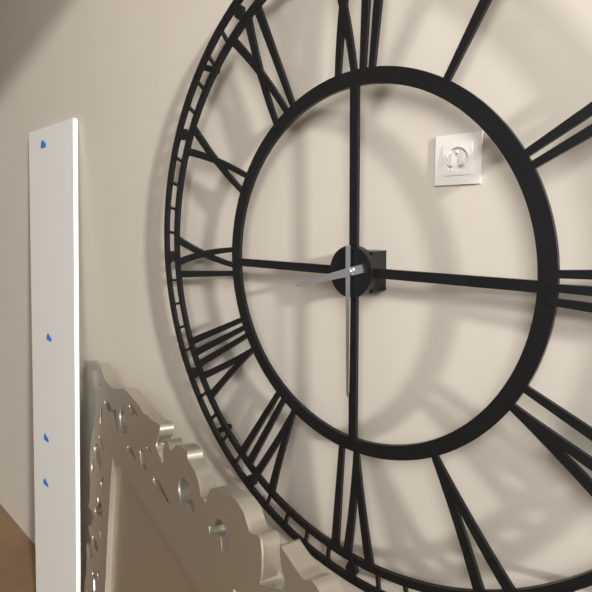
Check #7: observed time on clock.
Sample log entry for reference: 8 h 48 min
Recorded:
8 h 30 min
